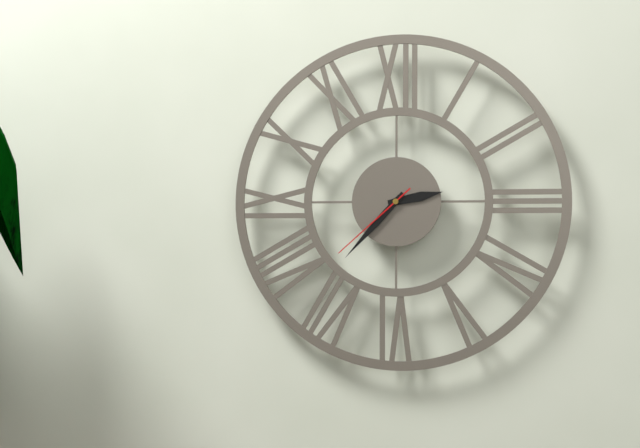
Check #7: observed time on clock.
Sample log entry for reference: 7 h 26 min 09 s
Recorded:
2 h 37 min 38 s
